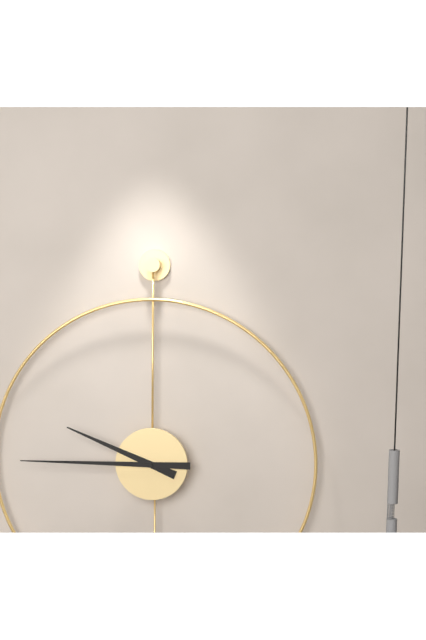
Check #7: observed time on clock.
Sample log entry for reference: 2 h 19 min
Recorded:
9 h 45 min
